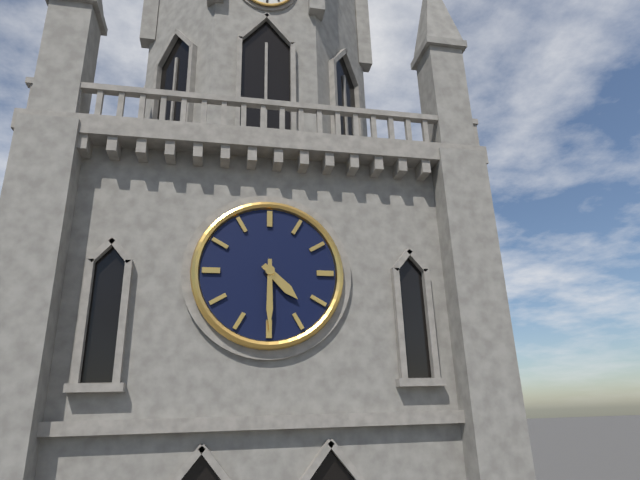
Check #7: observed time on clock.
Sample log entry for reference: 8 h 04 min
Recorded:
4 h 30 min
